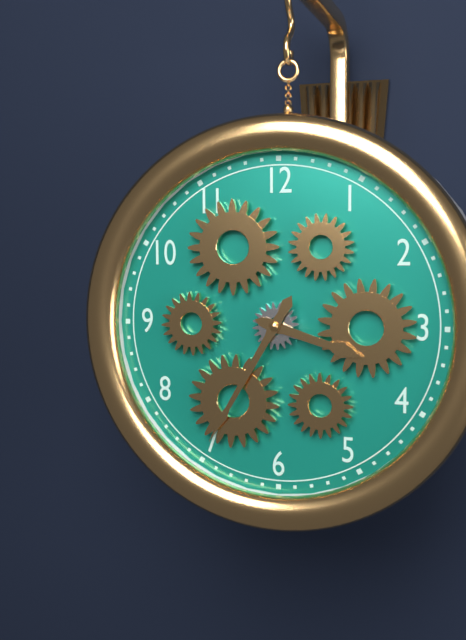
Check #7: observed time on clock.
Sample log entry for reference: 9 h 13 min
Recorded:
3 h 35 min
